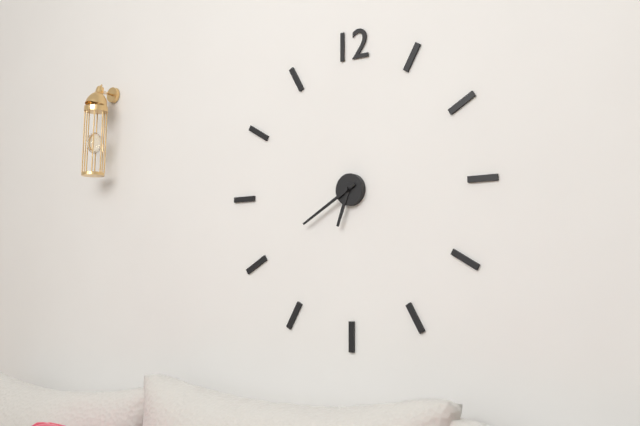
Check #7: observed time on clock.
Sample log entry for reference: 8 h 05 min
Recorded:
6 h 40 min
